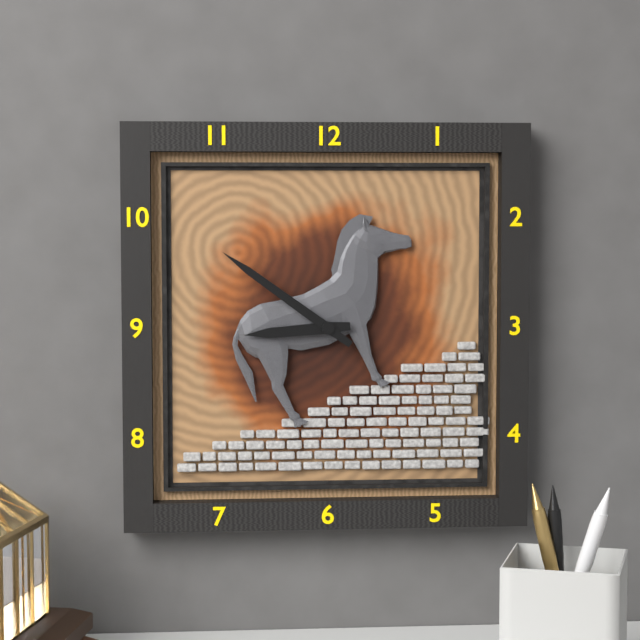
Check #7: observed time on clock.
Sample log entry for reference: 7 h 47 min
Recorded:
8 h 51 min
